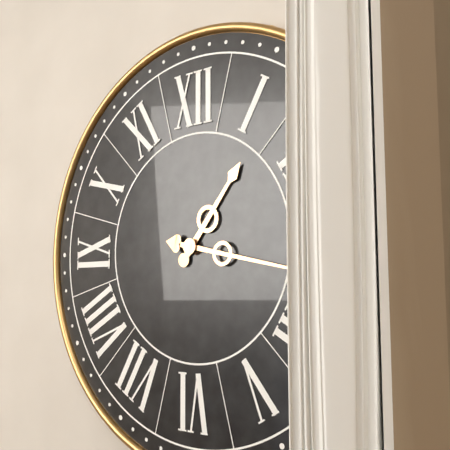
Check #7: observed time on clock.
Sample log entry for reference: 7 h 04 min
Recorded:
1 h 17 min
